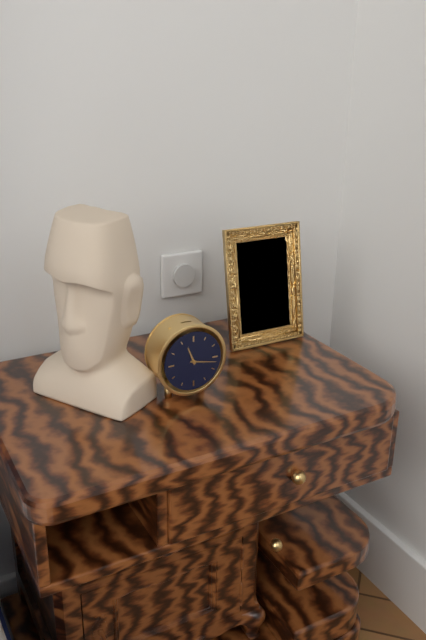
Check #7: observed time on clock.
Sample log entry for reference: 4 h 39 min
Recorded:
11 h 17 min
